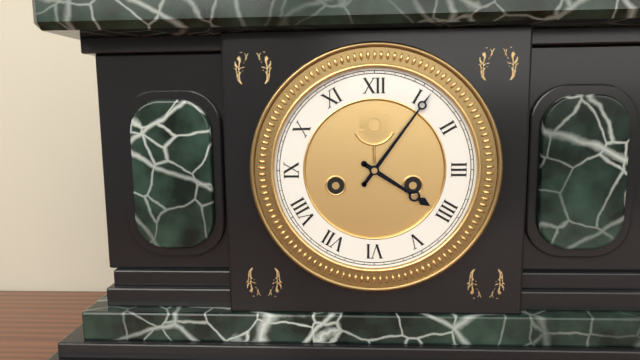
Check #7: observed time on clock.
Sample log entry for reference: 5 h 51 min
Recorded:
4 h 06 min
